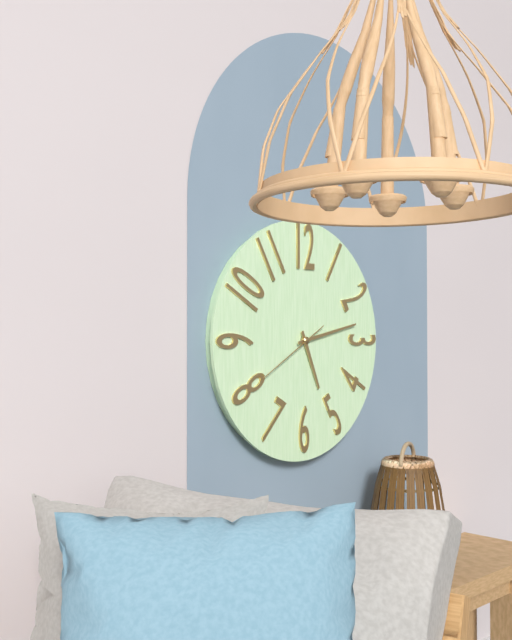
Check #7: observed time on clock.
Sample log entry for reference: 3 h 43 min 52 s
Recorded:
5 h 13 min 40 s
